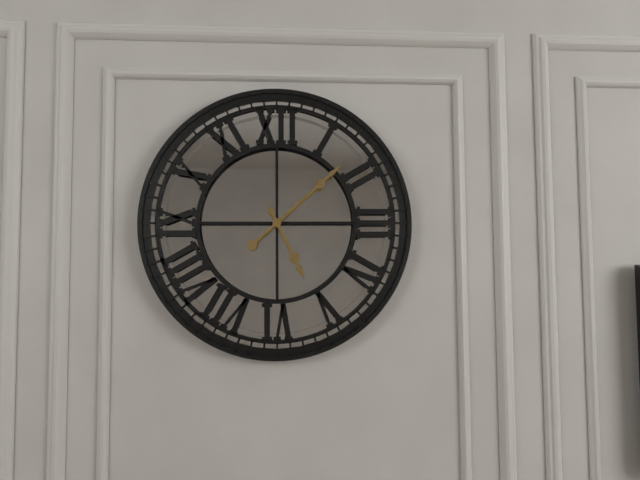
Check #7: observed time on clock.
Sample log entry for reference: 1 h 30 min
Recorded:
5 h 08 min
